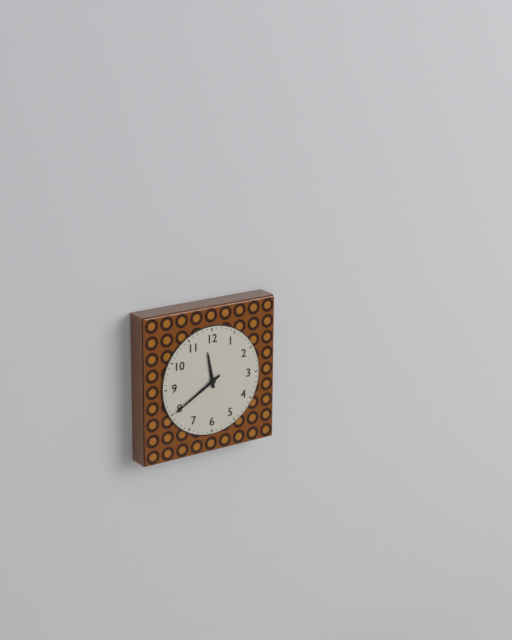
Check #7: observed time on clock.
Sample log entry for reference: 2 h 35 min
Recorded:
11 h 40 min
